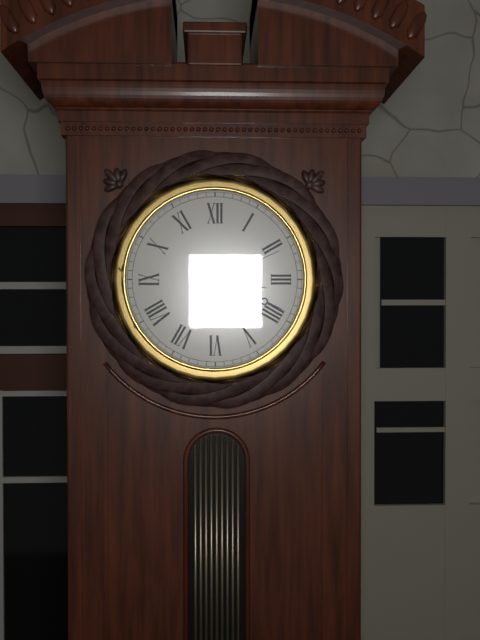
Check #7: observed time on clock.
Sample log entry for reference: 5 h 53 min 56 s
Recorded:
3 h 19 min 11 s
